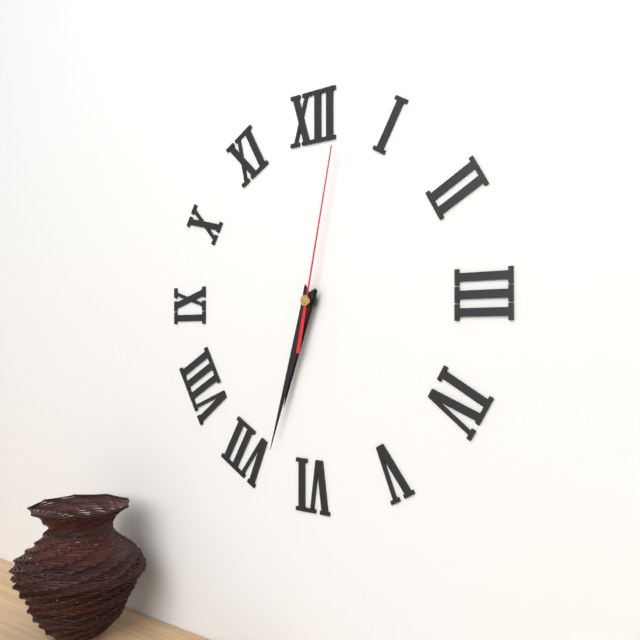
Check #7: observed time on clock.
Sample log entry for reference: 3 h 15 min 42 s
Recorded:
6 h 33 min 02 s
